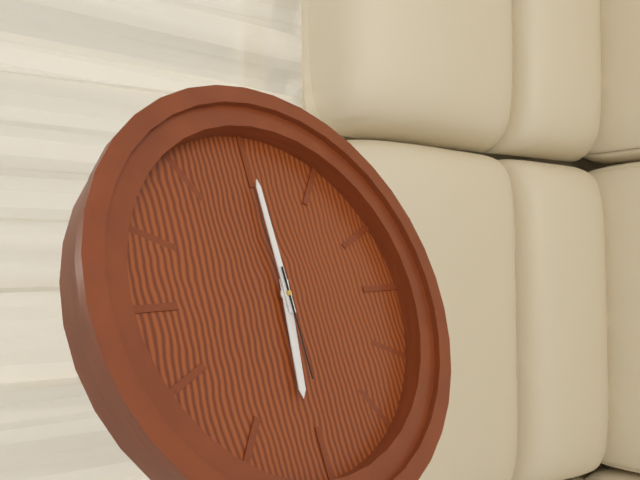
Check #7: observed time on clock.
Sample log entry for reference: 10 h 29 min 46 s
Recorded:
9 h 15 min 45 s
